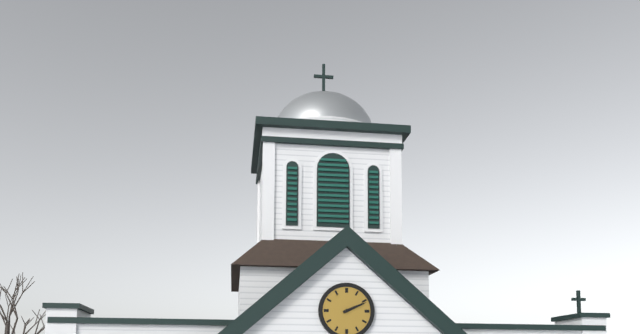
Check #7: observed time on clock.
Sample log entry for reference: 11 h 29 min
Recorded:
2 h 11 min
